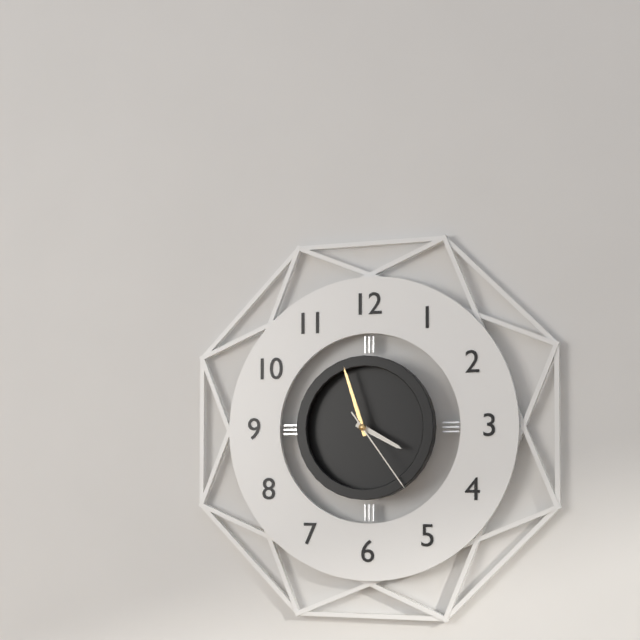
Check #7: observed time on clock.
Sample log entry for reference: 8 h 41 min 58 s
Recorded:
3 h 57 min 24 s
